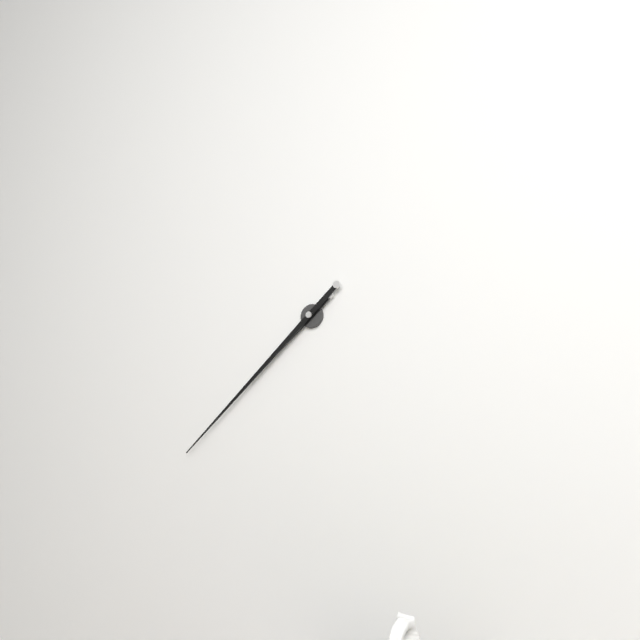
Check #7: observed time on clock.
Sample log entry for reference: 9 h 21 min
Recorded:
7 h 38 min
